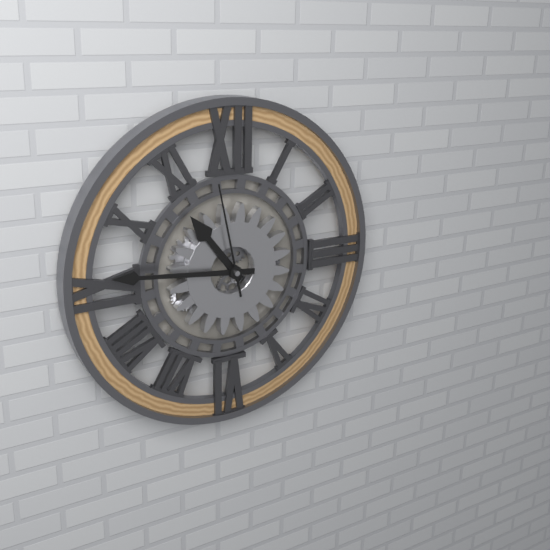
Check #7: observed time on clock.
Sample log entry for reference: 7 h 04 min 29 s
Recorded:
10 h 46 min 58 s
